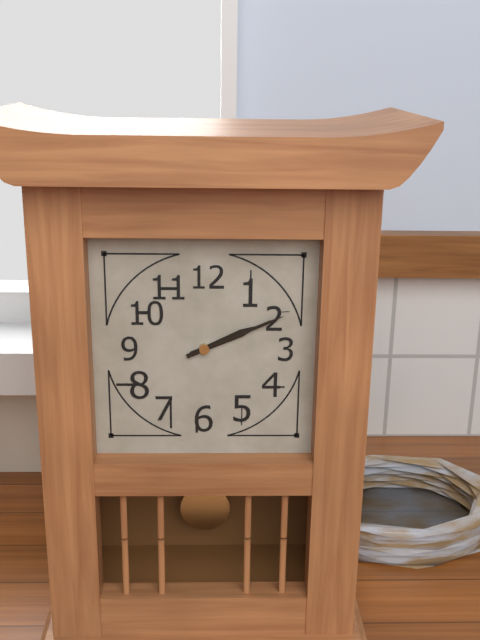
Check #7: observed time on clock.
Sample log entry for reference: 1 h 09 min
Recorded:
2 h 11 min
